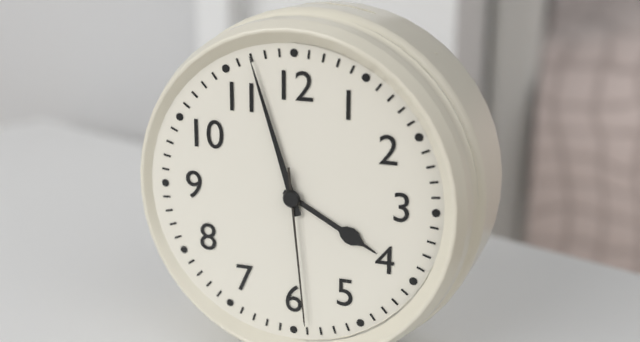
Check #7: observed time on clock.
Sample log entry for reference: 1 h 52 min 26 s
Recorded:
3 h 57 min 29 s
